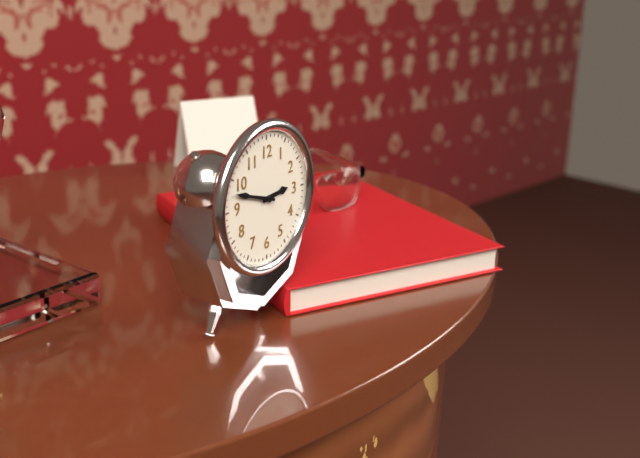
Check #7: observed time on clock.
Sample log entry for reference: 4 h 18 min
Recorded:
2 h 48 min
